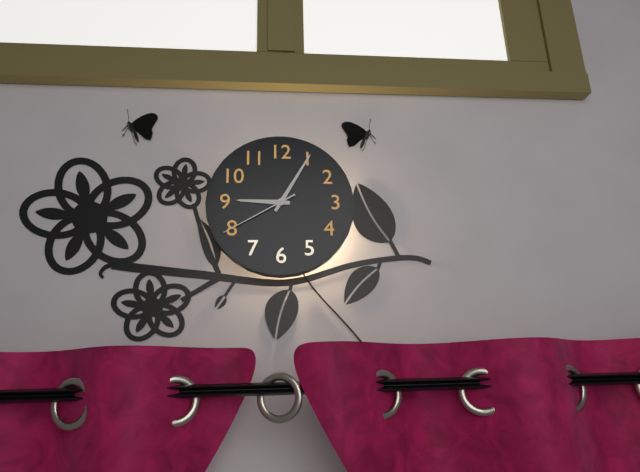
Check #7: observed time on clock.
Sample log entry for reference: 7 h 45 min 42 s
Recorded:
9 h 05 min 40 s
